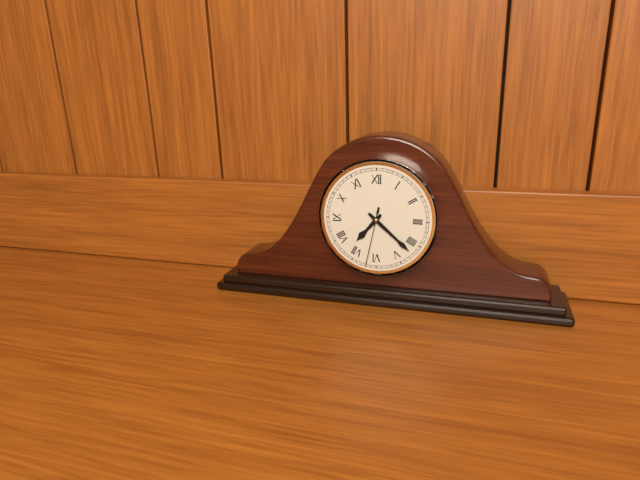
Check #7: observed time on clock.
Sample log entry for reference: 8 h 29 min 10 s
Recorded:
7 h 22 min 32 s
